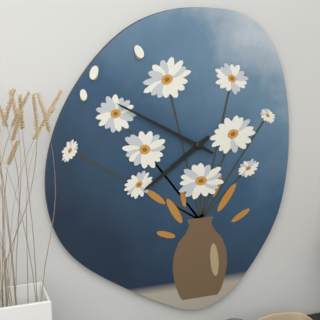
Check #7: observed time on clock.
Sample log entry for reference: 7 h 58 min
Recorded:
7 h 50 min
